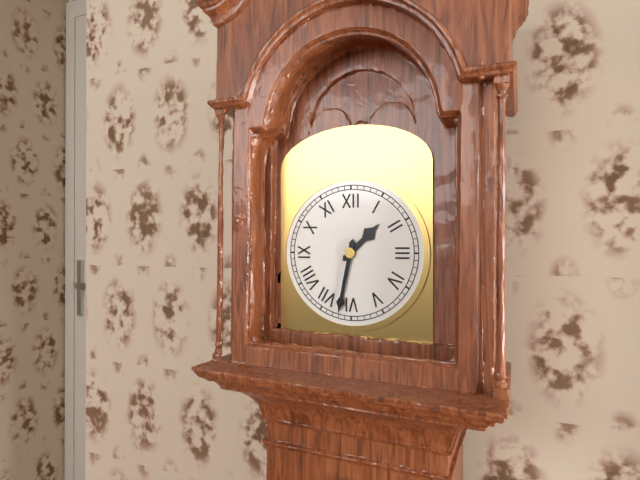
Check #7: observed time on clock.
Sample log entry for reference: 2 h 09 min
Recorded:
1 h 32 min
